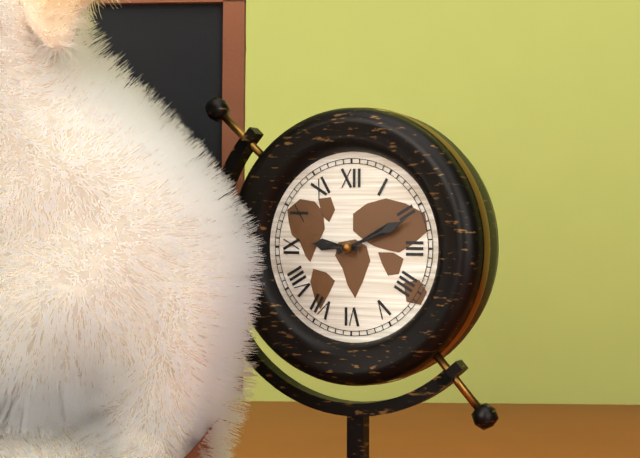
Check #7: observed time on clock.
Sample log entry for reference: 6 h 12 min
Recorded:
9 h 11 min
